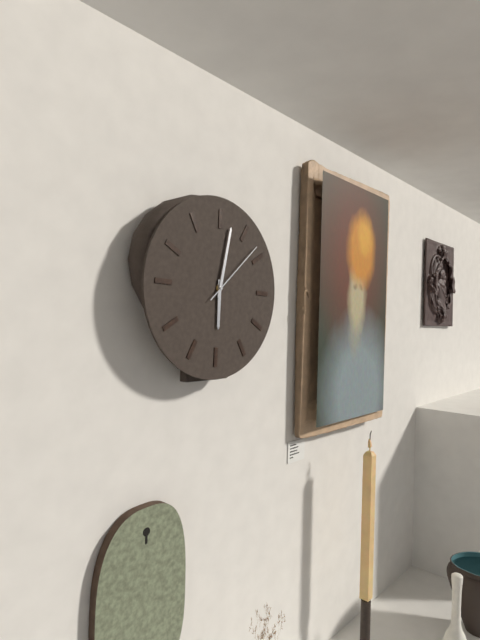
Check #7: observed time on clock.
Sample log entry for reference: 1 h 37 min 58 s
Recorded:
6 h 02 min 08 s
